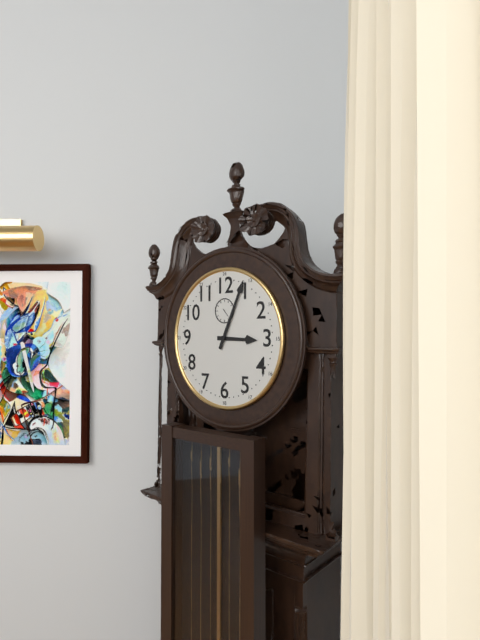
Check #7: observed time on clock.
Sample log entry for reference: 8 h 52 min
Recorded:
3 h 04 min
